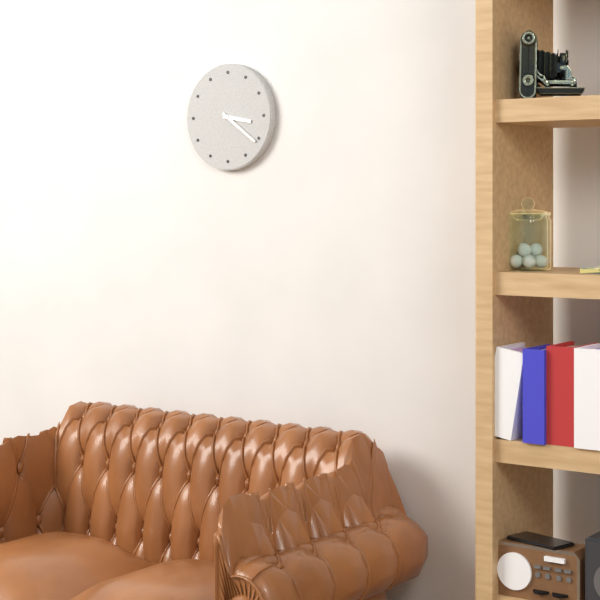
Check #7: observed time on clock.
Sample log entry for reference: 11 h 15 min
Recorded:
3 h 21 min
